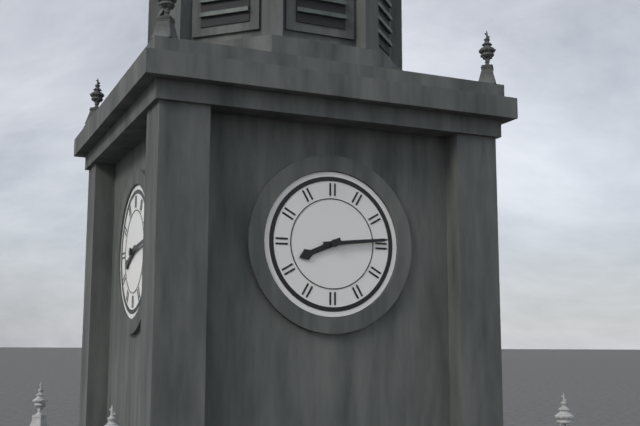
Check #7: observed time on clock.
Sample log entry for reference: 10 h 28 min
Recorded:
8 h 14 min
